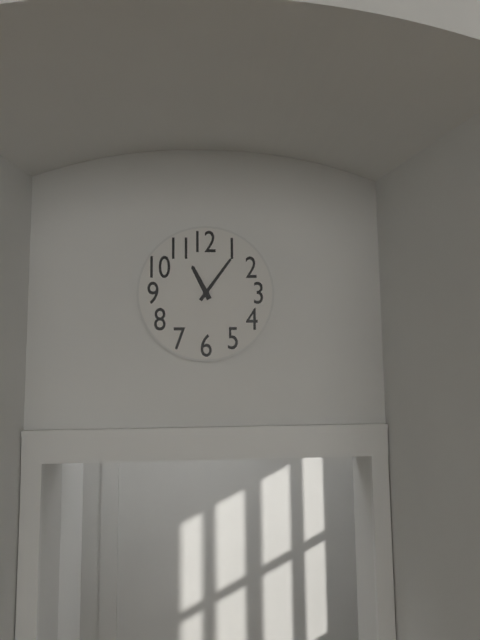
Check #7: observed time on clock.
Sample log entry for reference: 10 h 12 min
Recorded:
11 h 06 min
